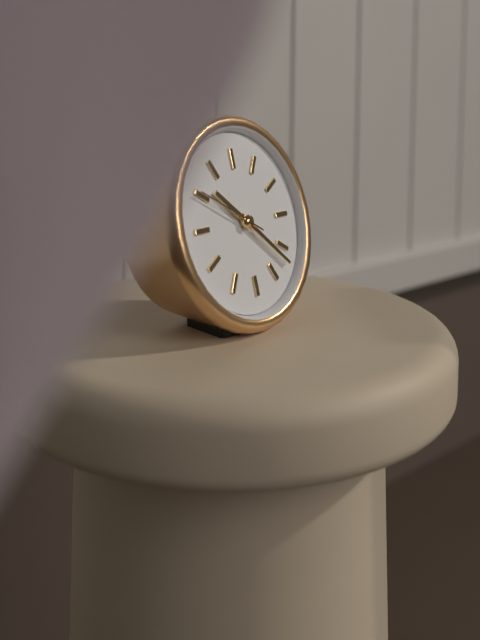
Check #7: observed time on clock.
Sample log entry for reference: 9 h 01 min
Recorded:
10 h 22 min
